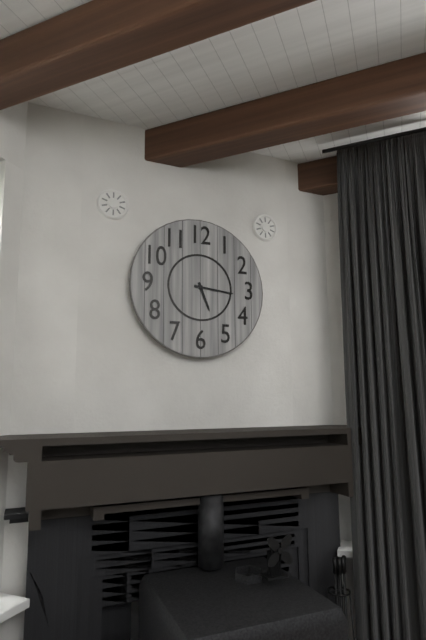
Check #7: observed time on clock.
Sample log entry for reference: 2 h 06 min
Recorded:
5 h 16 min
